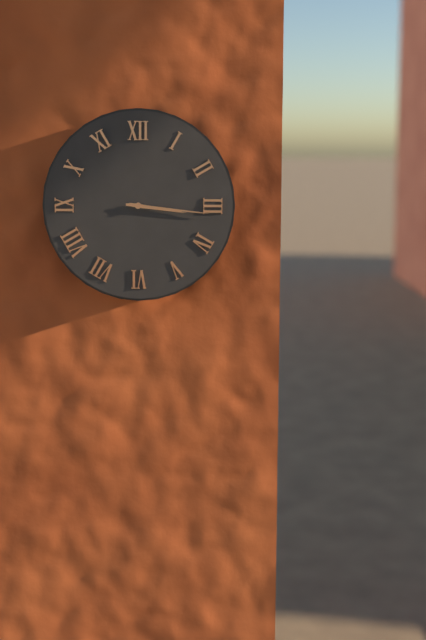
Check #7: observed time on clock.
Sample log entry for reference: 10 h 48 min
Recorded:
3 h 16 min
